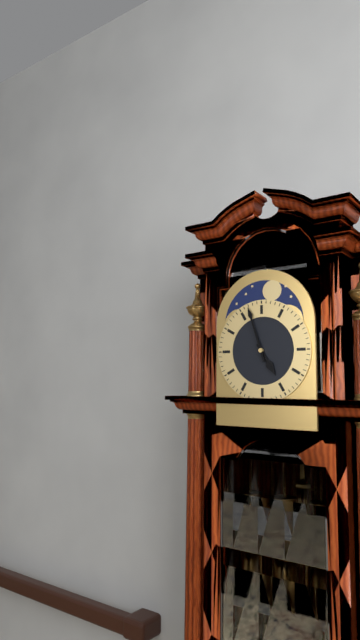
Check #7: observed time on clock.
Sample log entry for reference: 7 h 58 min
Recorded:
4 h 57 min
